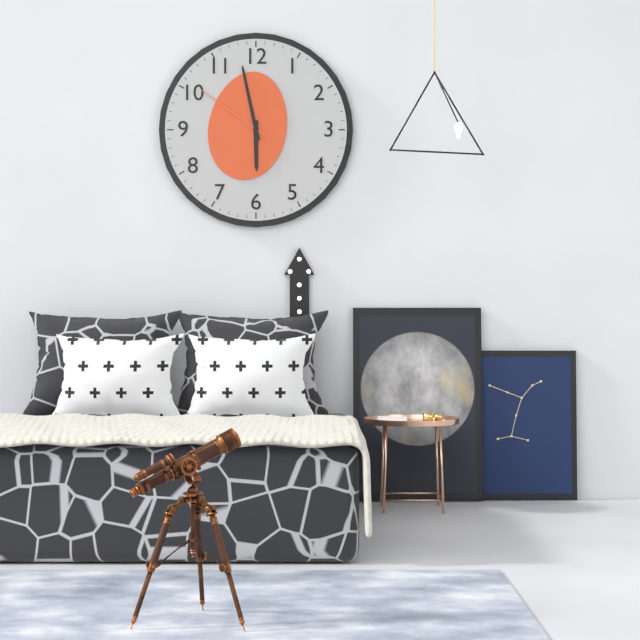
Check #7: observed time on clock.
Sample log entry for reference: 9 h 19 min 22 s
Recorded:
5 h 58 min 51 s
